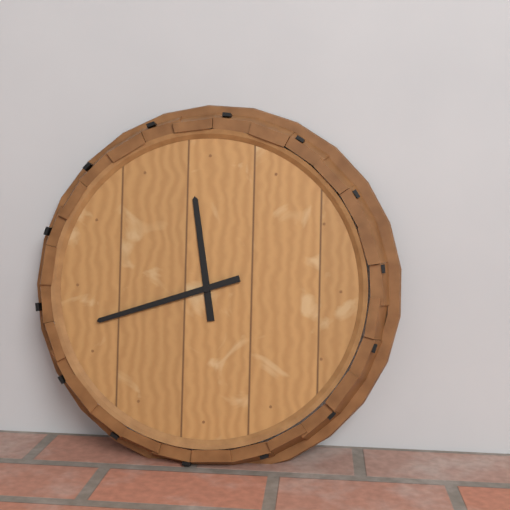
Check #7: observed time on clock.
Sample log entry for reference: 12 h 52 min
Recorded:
11 h 42 min
